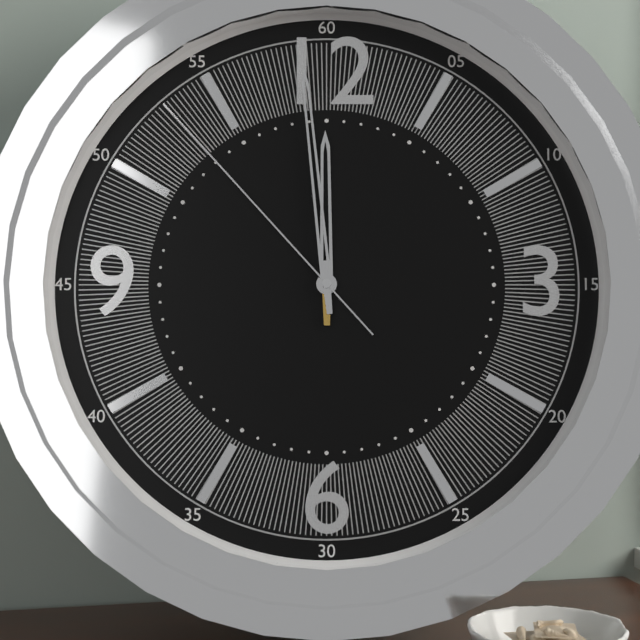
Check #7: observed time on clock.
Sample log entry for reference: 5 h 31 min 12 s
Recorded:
11 h 59 min 53 s
